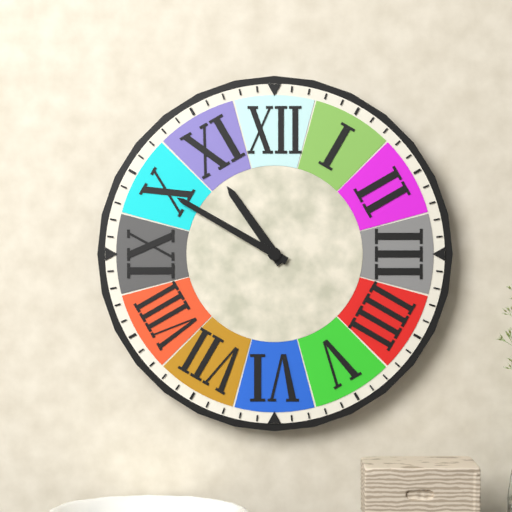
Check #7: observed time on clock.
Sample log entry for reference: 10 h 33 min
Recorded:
10 h 50 min
